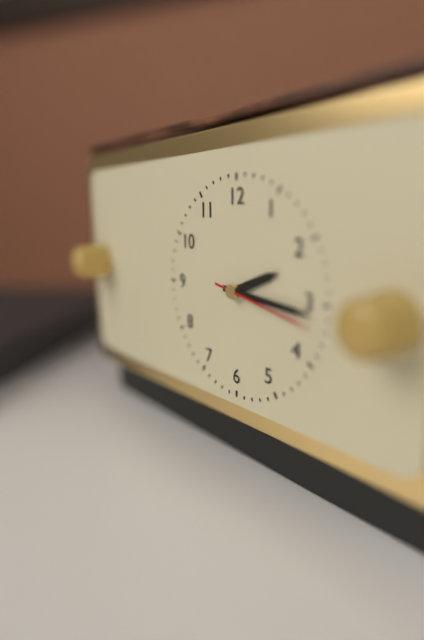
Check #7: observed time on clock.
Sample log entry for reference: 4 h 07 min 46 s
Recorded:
2 h 16 min 17 s
